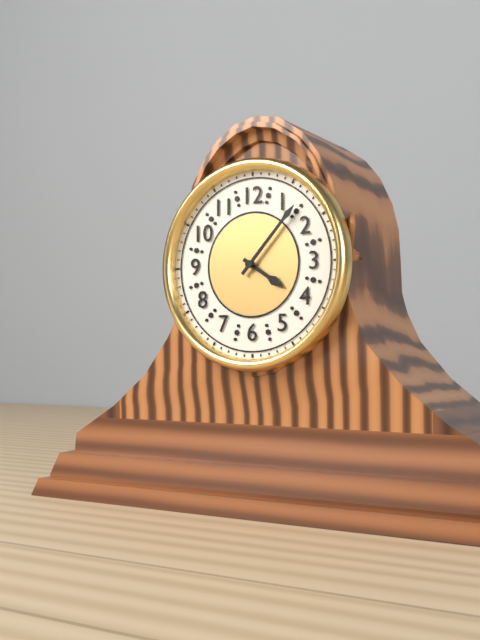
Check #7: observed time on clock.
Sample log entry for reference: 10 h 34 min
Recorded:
4 h 07 min
